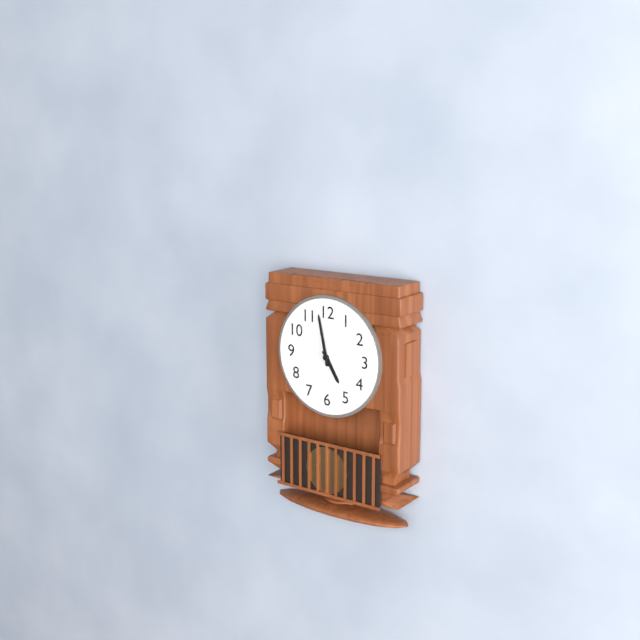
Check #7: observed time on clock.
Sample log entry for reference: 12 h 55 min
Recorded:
4 h 58 min
